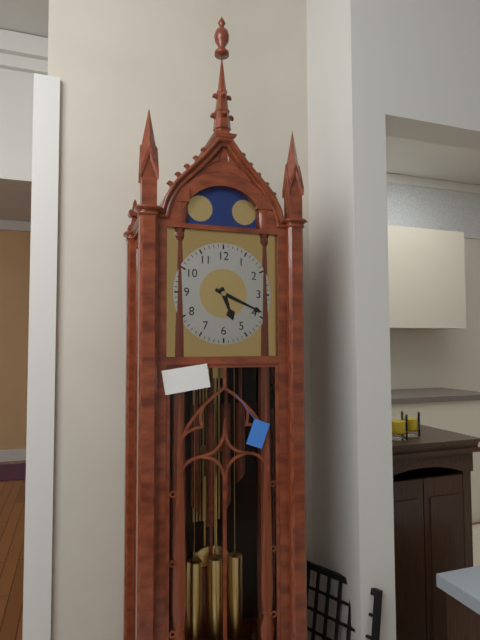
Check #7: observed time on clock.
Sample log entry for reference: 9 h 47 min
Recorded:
5 h 19 min
